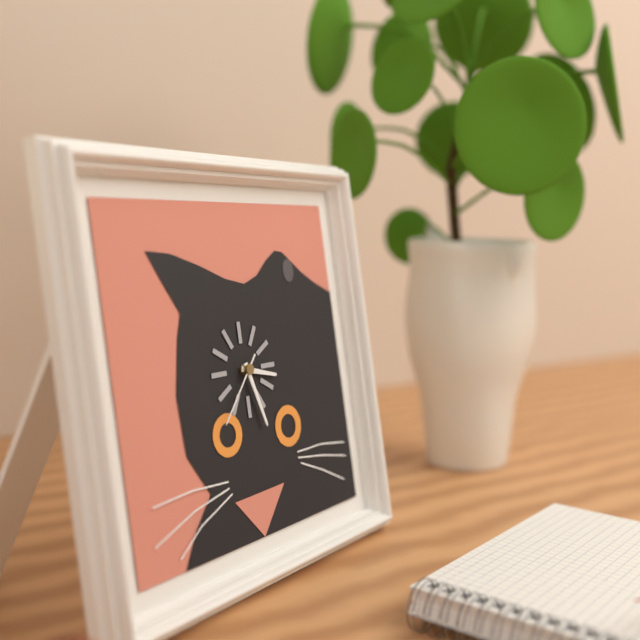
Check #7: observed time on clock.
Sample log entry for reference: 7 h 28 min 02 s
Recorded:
3 h 27 min 37 s
